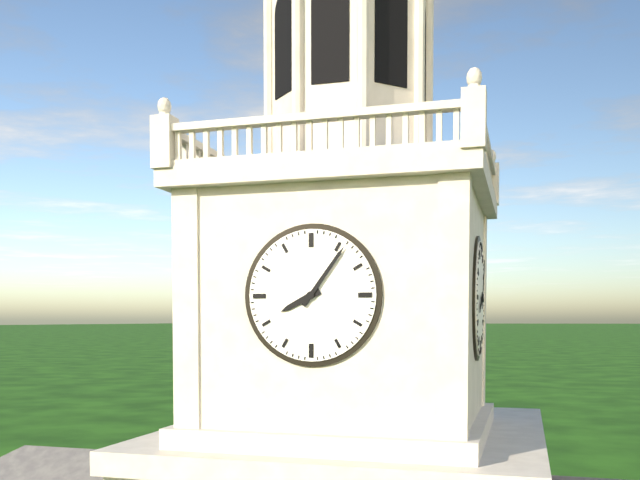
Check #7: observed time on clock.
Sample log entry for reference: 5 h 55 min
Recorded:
8 h 06 min
